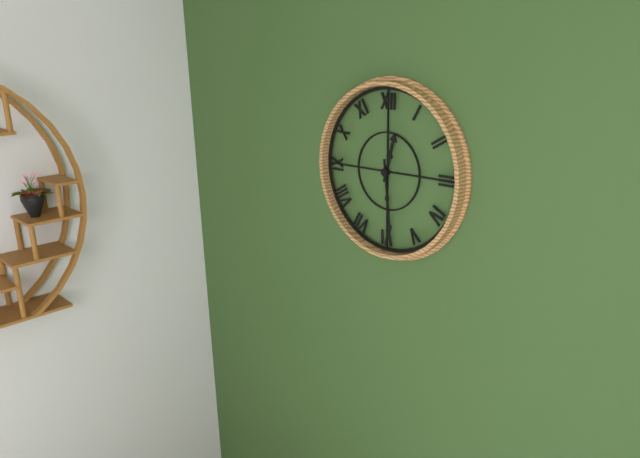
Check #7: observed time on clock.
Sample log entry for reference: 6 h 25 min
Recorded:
12 h 29 min
